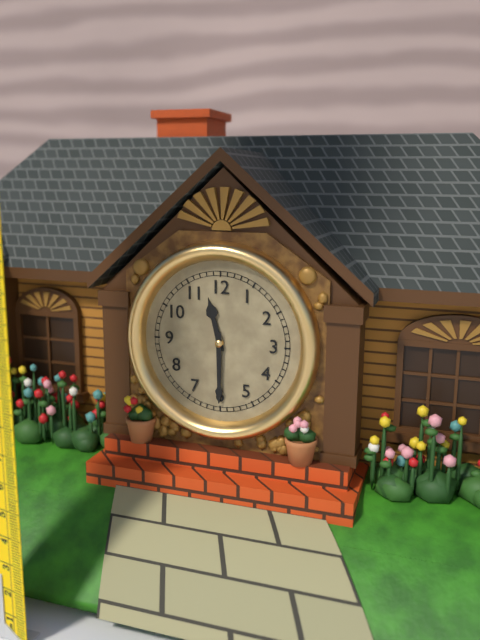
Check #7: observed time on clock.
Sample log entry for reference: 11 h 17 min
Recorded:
11 h 30 min
